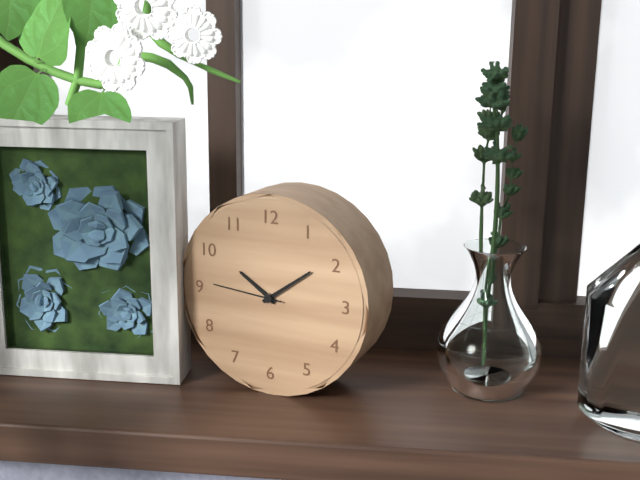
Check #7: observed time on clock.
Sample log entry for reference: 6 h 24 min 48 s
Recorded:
10 h 09 min 46 s
